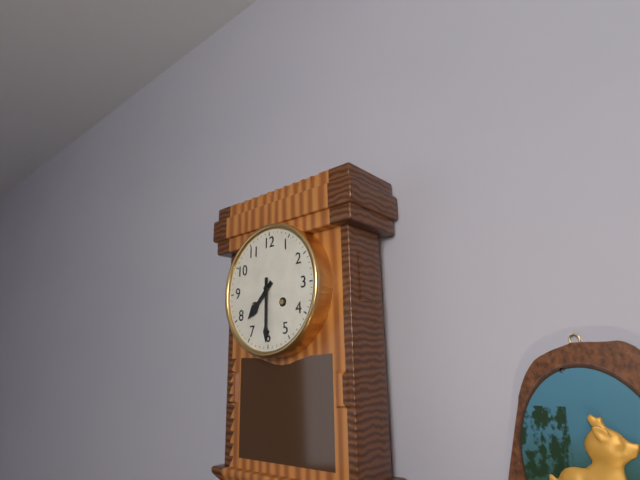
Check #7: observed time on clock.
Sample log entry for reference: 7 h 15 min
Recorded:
7 h 30 min
